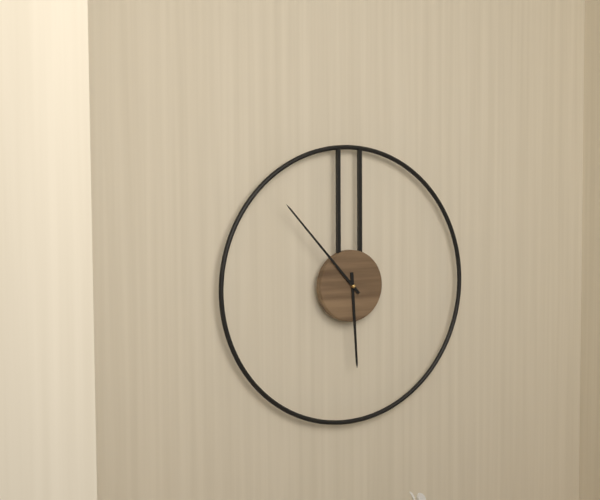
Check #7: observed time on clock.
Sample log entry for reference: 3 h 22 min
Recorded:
5 h 53 min
